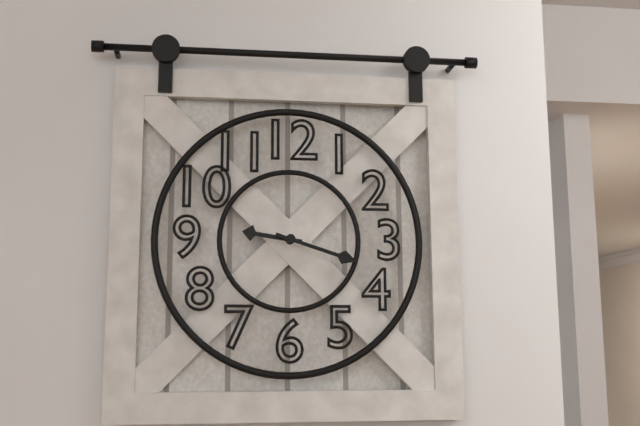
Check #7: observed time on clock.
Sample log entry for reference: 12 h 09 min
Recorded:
9 h 18 min
